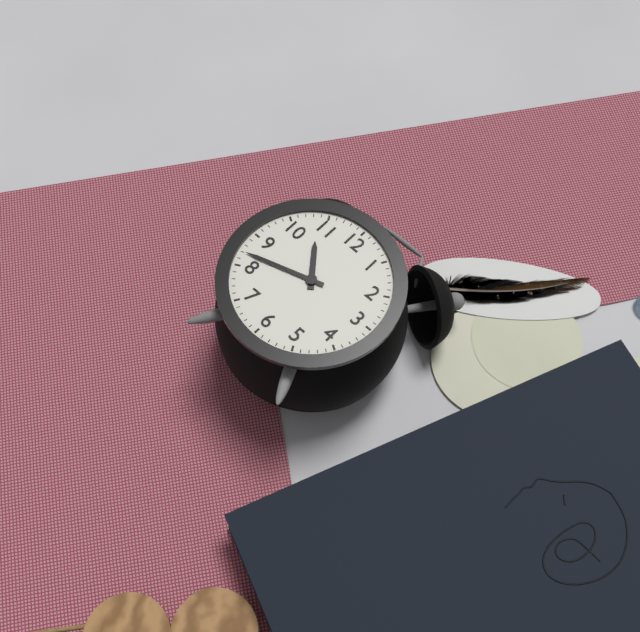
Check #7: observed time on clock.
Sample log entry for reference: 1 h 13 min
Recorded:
10 h 42 min
